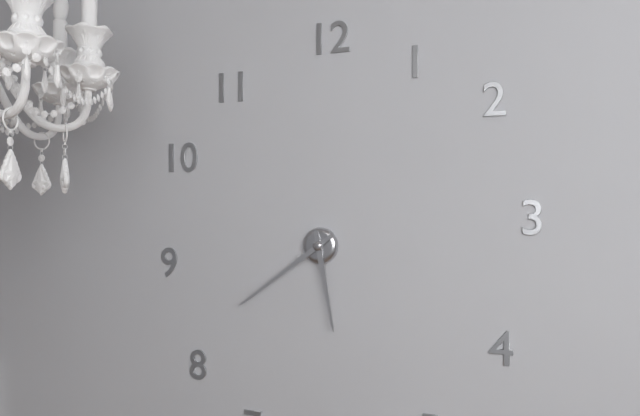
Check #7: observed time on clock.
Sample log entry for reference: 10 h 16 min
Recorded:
5 h 39 min
